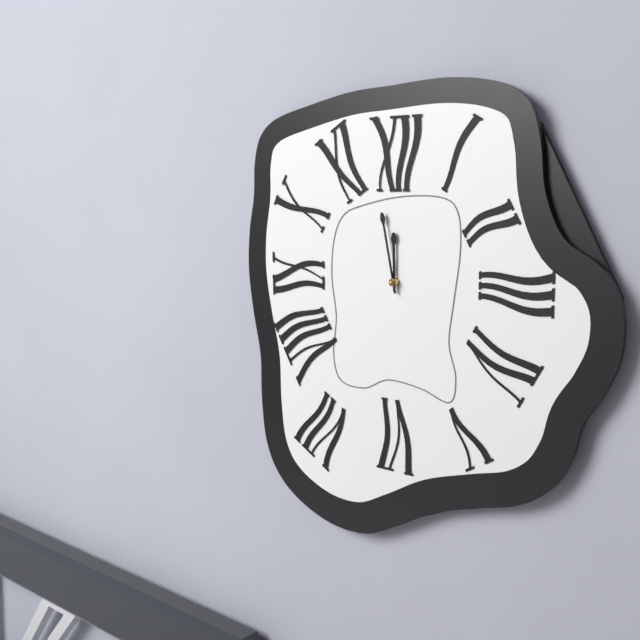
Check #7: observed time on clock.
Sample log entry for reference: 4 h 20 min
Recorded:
11 h 58 min
